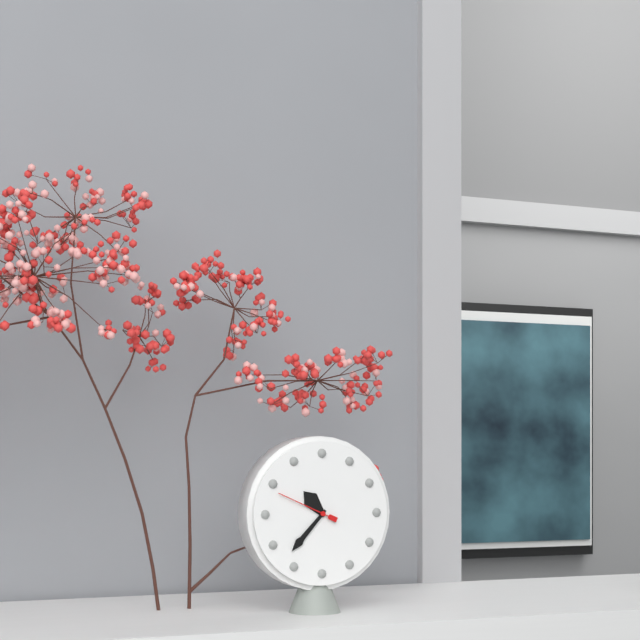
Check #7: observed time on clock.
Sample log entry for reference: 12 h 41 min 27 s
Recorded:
10 h 37 min 49 s
